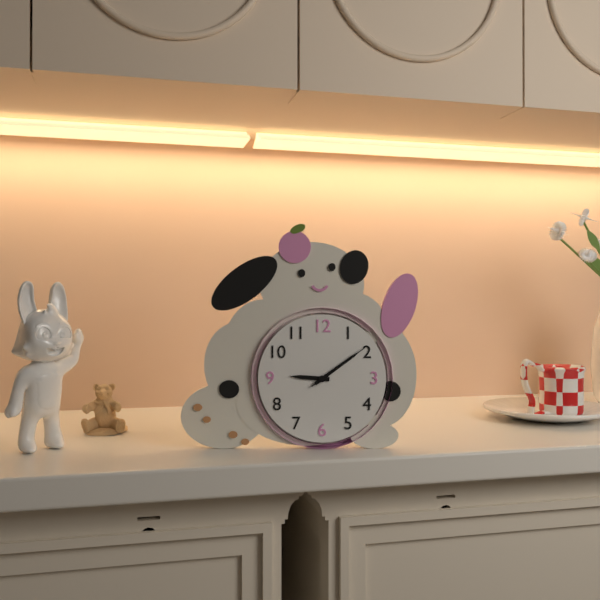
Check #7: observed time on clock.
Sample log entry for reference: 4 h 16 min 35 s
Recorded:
9 h 09 min 09 s
